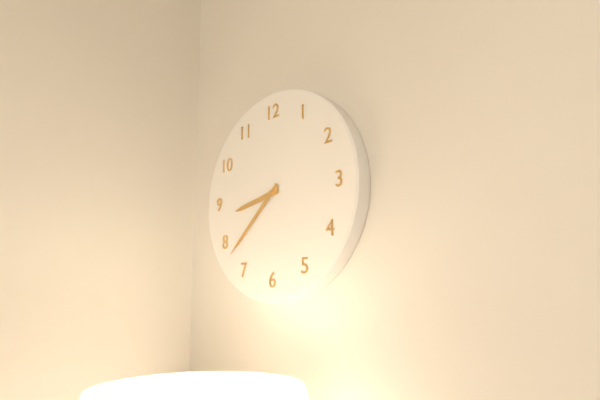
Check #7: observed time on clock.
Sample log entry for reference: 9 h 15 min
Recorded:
8 h 38 min
